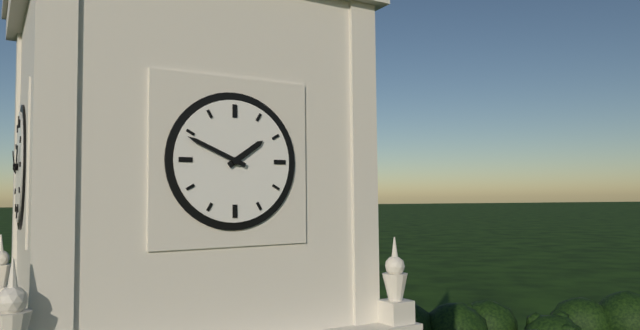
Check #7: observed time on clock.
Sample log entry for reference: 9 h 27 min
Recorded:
1 h 49 min
